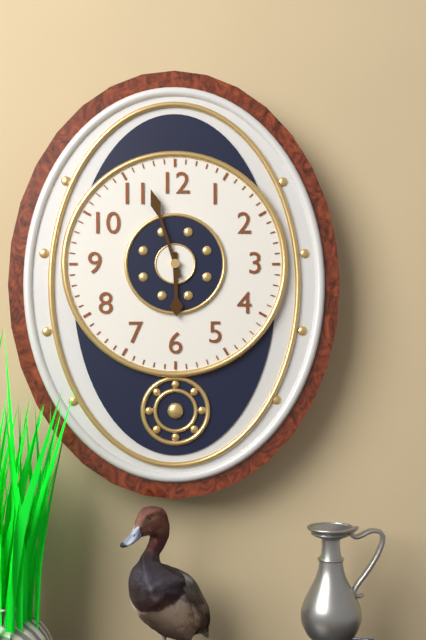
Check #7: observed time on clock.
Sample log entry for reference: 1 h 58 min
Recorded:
5 h 57 min
